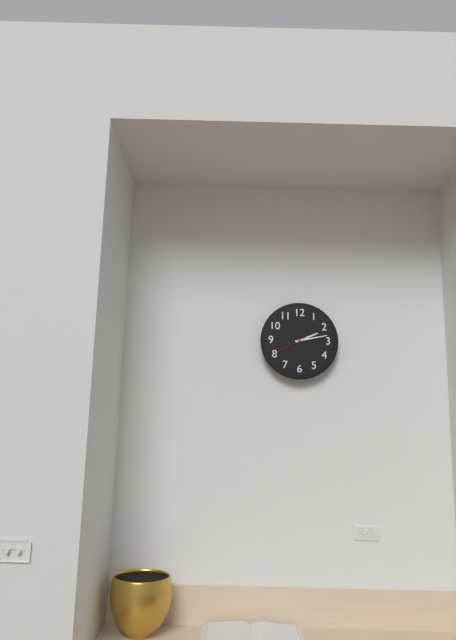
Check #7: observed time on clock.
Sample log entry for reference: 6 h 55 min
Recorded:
2 h 13 min
